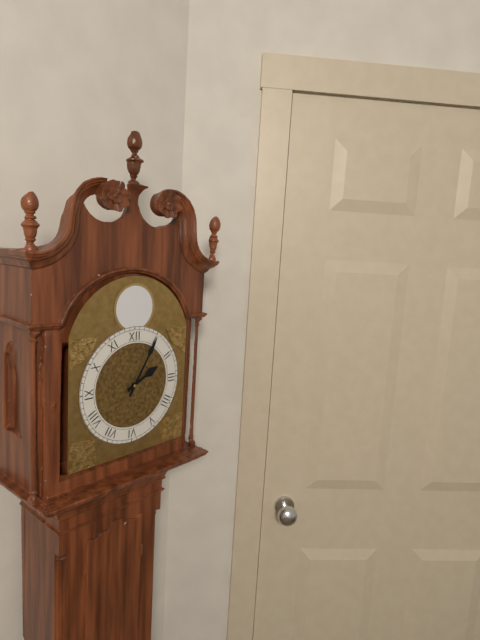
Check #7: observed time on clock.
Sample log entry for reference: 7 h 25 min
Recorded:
2 h 05 min
